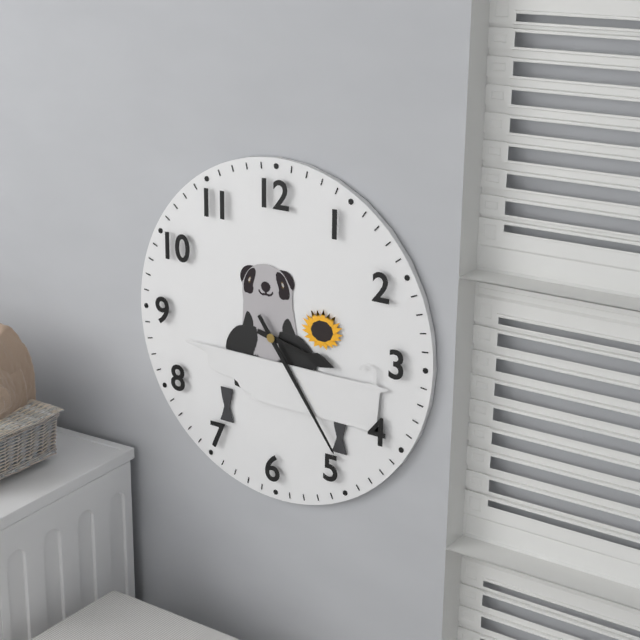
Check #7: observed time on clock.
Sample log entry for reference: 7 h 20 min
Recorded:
3 h 24 min
